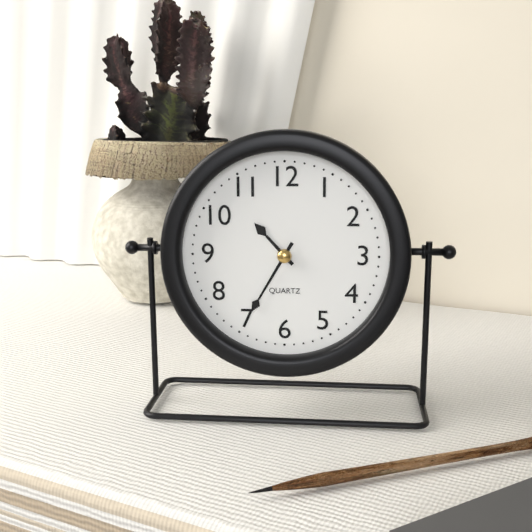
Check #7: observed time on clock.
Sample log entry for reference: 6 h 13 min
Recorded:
10 h 35 min
